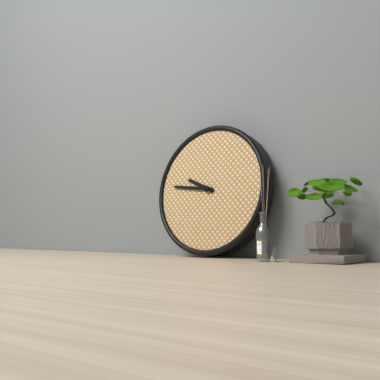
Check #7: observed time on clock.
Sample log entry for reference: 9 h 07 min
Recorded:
9 h 46 min
